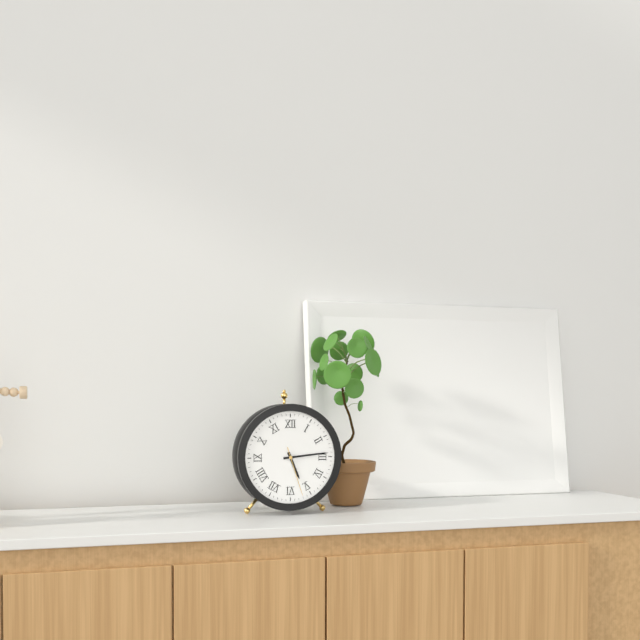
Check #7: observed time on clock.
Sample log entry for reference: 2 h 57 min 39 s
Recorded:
5 h 14 min 27 s
